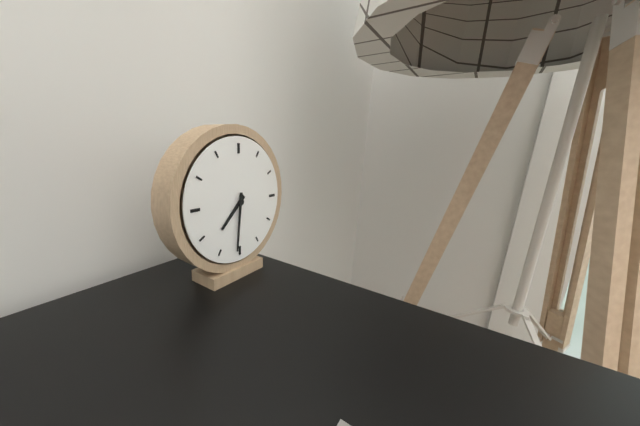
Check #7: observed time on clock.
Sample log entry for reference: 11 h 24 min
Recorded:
7 h 31 min
